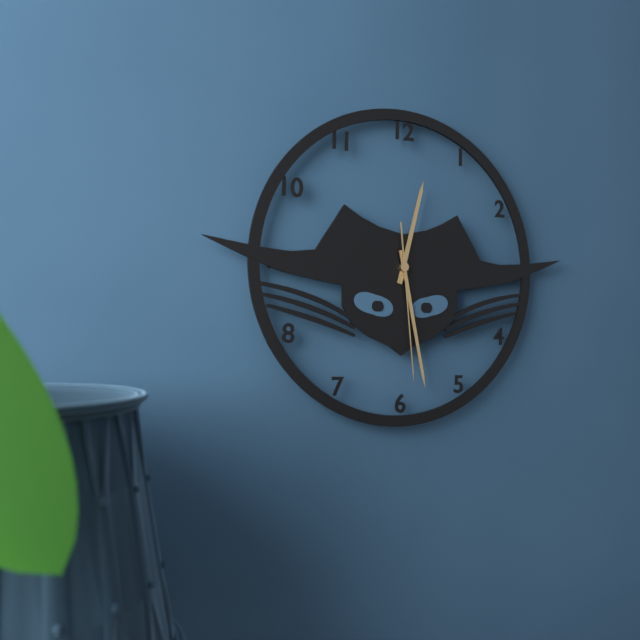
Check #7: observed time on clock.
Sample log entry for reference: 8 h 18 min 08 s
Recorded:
12 h 28 min 29 s
